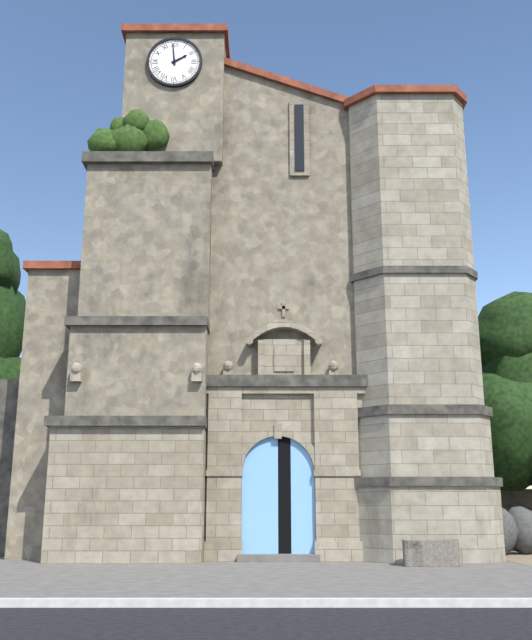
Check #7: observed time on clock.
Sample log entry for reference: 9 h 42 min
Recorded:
1 h 59 min
